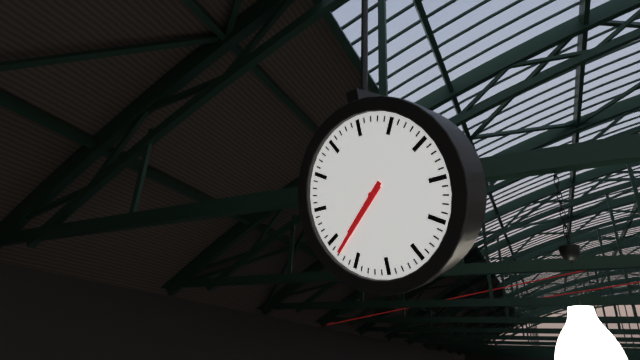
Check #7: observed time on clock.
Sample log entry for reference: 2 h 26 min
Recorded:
7 h 38 min
